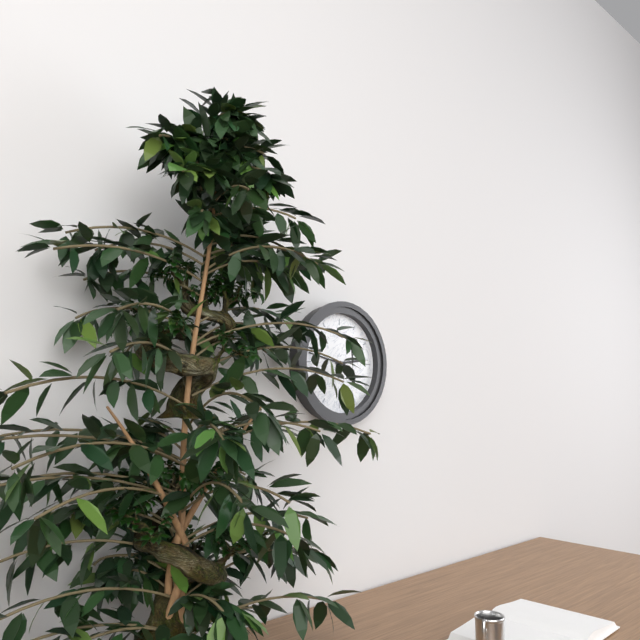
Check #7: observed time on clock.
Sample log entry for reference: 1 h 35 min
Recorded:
2 h 47 min
